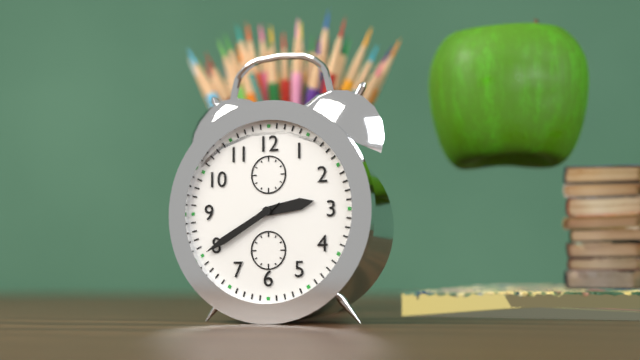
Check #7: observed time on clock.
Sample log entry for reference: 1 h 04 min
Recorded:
2 h 40 min
